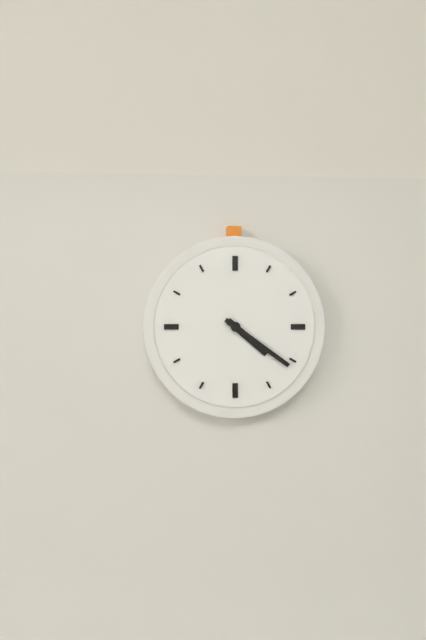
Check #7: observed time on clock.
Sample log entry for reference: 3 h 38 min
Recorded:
4 h 21 min
